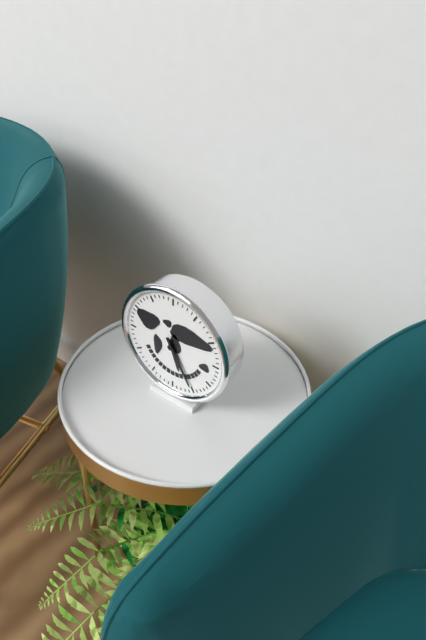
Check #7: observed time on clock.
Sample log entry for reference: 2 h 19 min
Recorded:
5 h 25 min
